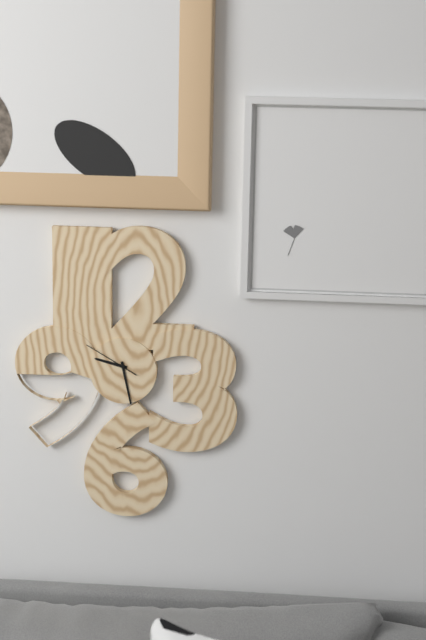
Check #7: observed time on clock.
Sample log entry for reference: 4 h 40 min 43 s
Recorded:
9 h 28 min 50 s
